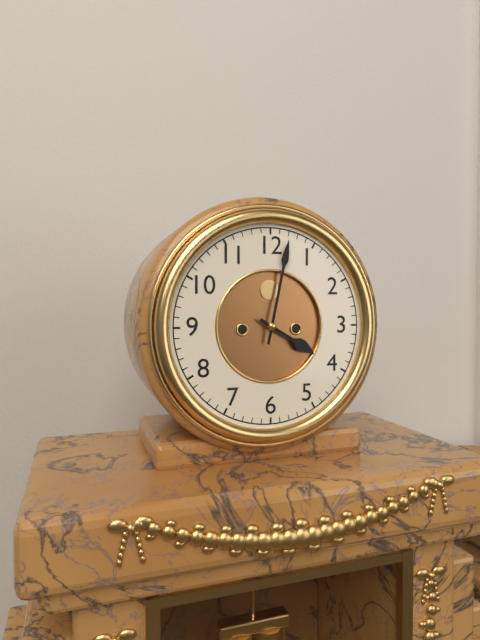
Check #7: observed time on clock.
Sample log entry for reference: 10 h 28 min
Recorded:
4 h 02 min
